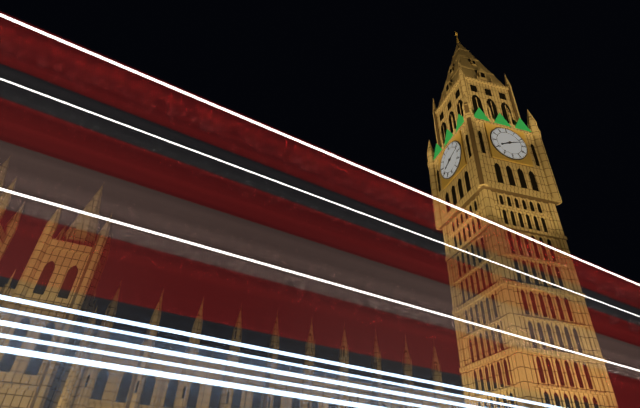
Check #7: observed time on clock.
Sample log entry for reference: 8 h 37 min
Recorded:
8 h 12 min
